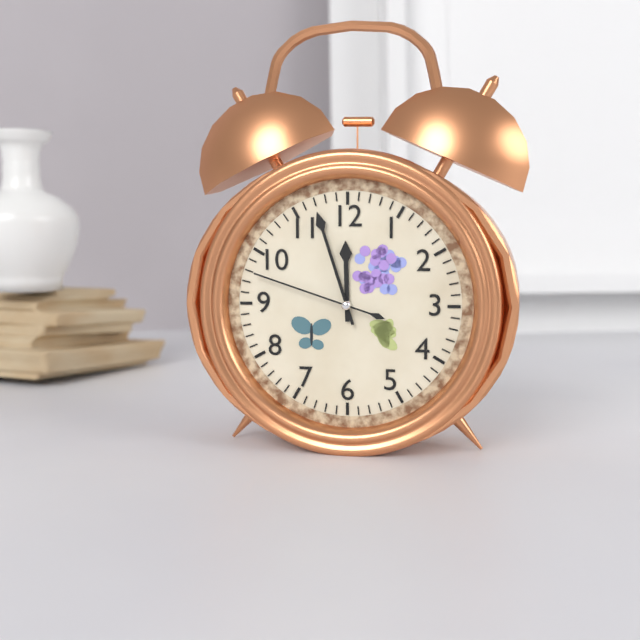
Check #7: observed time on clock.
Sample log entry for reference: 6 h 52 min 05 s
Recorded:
11 h 57 min 48 s
